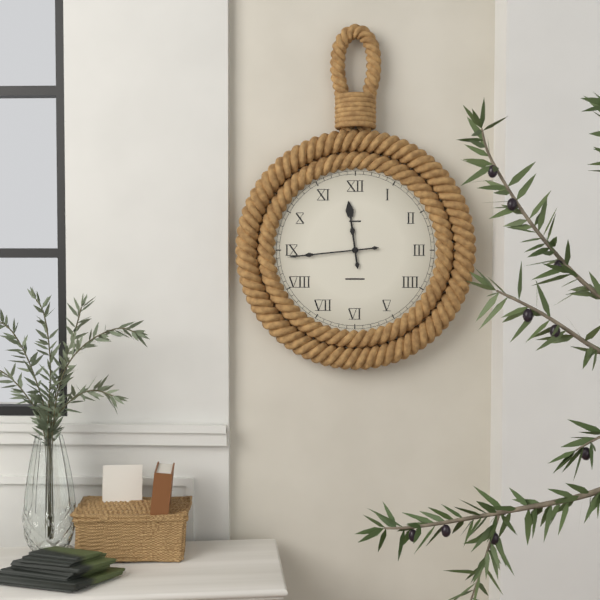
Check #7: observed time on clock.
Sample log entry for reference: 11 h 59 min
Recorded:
11 h 44 min
